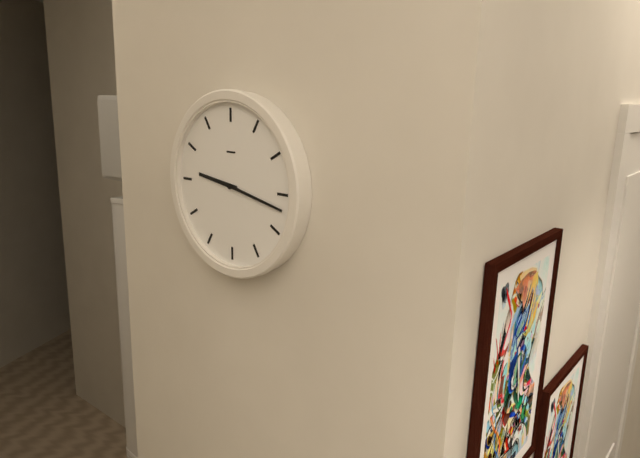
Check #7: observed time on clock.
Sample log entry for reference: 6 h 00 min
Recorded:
9 h 17 min
